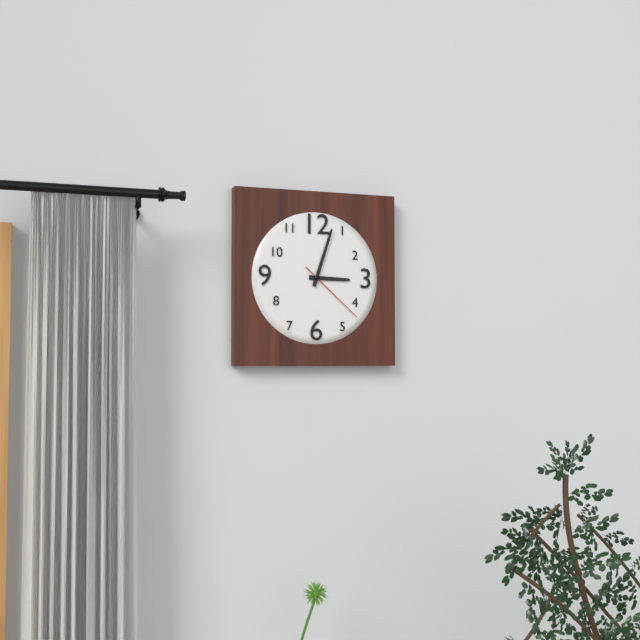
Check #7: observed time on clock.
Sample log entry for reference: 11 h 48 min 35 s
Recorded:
3 h 03 min 22 s
